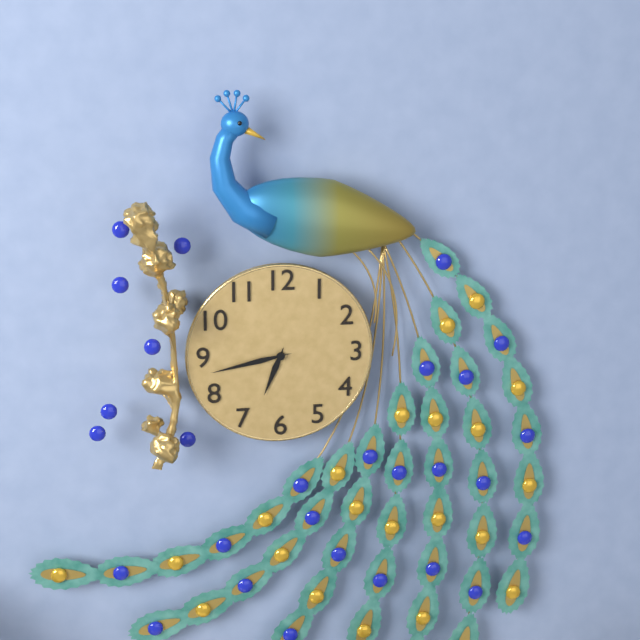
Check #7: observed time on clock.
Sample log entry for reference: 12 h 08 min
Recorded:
6 h 43 min
